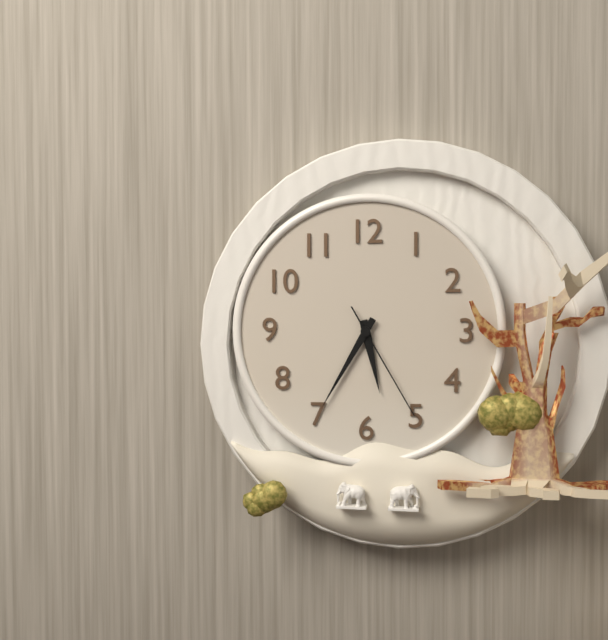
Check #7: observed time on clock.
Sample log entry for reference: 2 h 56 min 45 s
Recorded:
5 h 35 min 25 s
